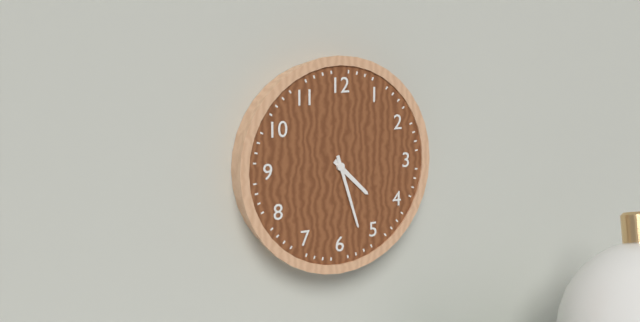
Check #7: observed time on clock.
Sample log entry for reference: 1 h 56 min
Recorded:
4 h 27 min
